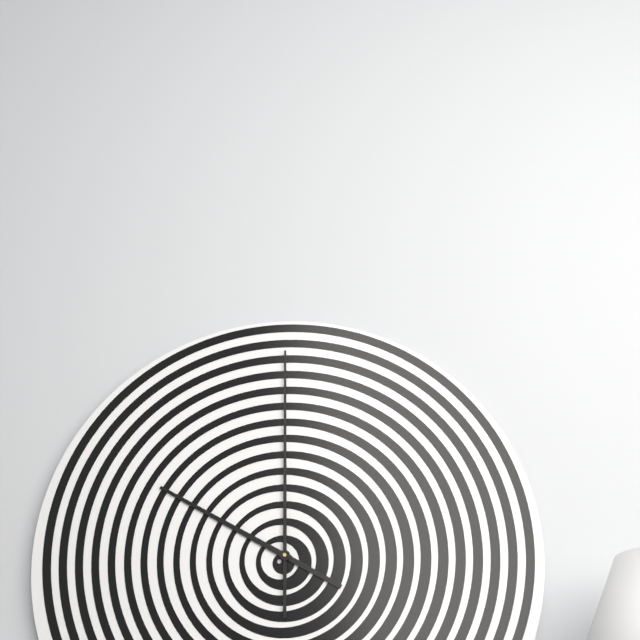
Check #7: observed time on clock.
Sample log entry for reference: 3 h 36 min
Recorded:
10 h 00 min
